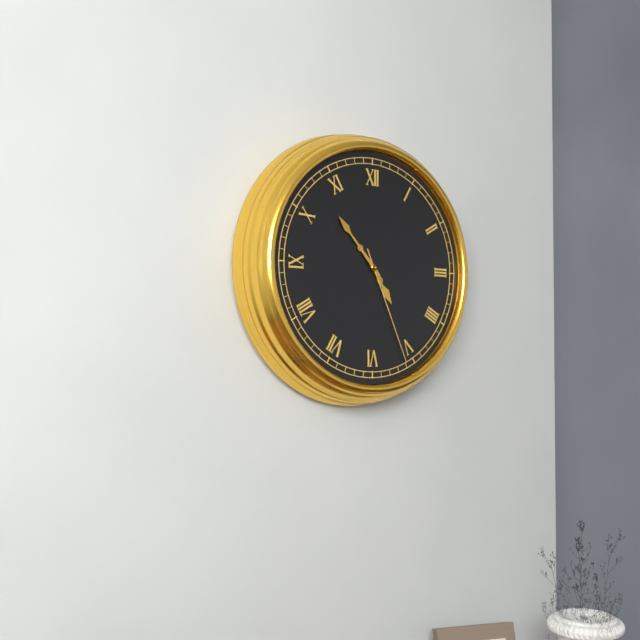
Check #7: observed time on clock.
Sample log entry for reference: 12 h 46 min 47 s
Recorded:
4 h 53 min 26 s
